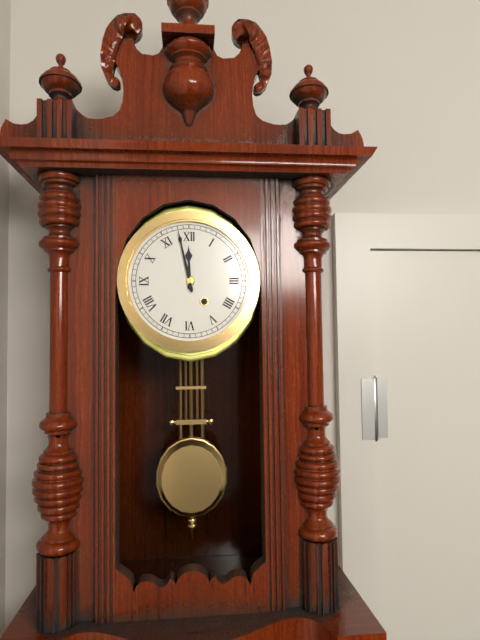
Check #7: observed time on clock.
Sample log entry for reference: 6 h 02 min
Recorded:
11 h 58 min
